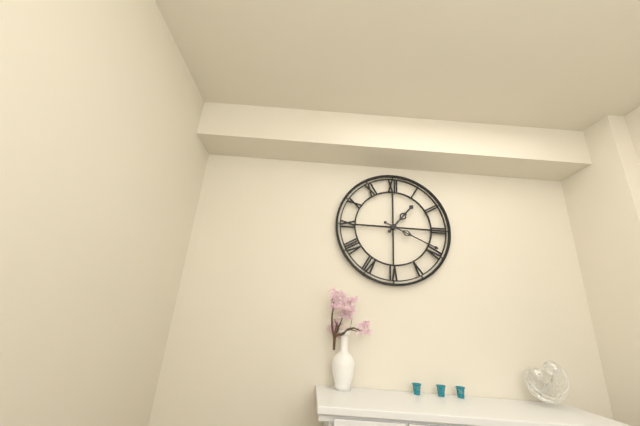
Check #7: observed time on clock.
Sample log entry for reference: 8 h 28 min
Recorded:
1 h 19 min
